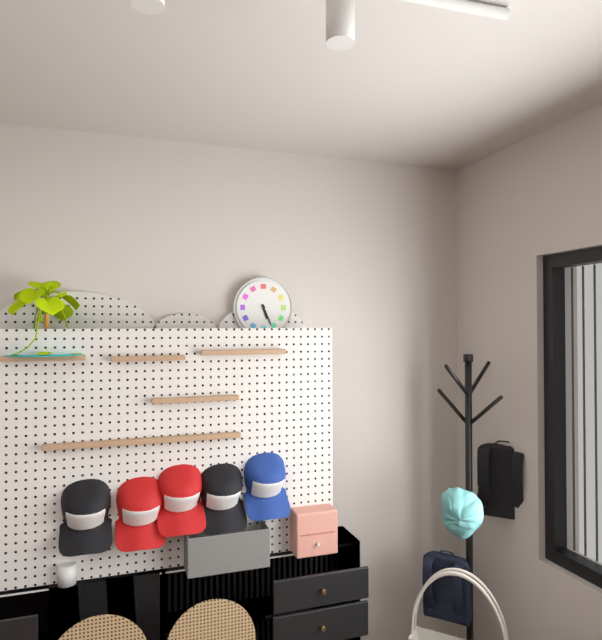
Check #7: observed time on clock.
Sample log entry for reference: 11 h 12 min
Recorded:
5 h 26 min
